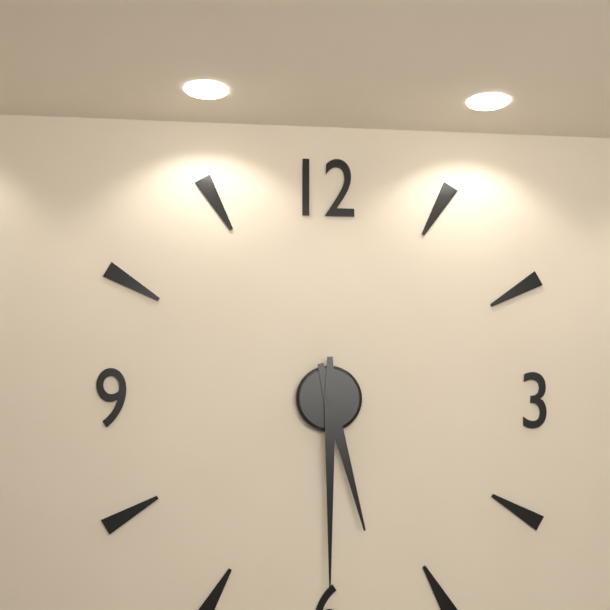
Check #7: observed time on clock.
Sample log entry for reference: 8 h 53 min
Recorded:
5 h 30 min
